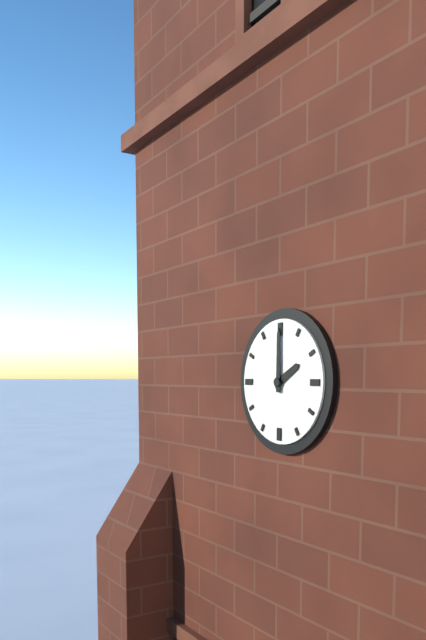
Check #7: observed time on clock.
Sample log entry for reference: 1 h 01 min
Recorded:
2 h 00 min
